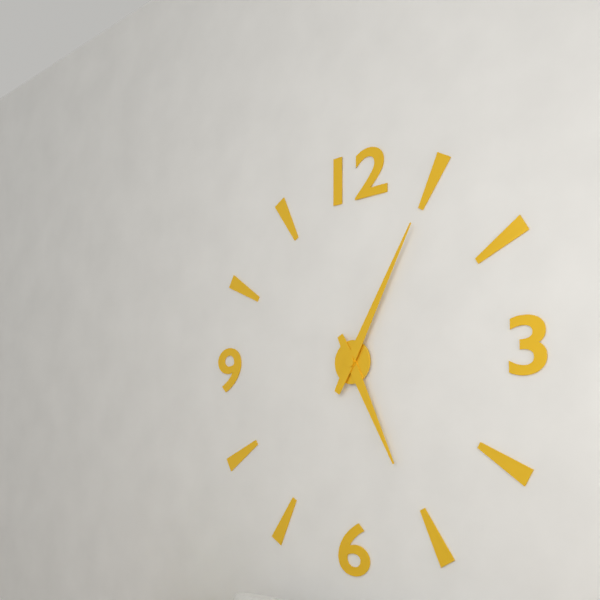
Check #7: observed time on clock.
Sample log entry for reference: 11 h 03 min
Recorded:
5 h 05 min
